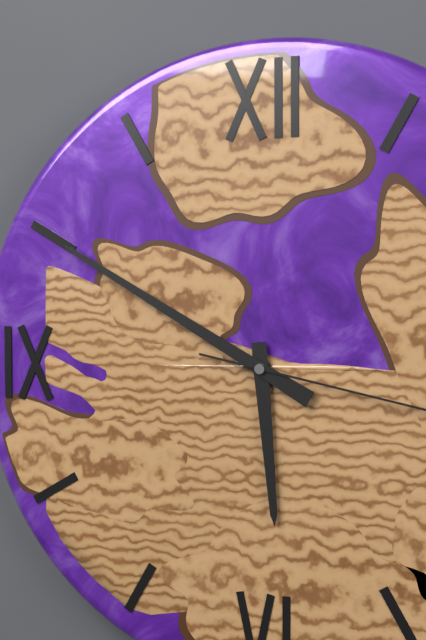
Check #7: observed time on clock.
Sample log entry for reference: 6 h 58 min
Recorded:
5 h 50 min
